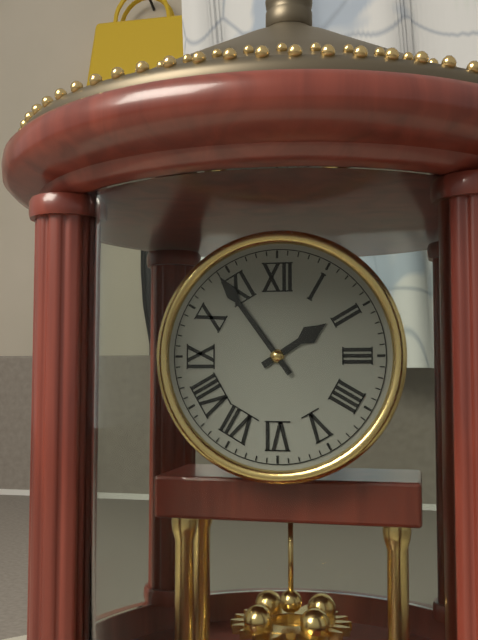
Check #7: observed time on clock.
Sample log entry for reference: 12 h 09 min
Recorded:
1 h 54 min
